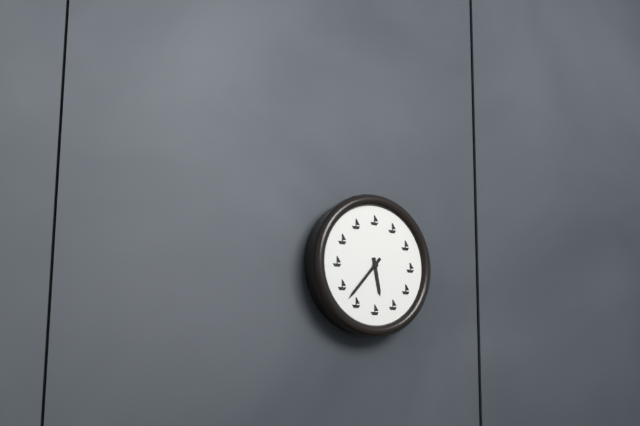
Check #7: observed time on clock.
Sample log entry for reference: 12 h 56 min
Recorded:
5 h 37 min
